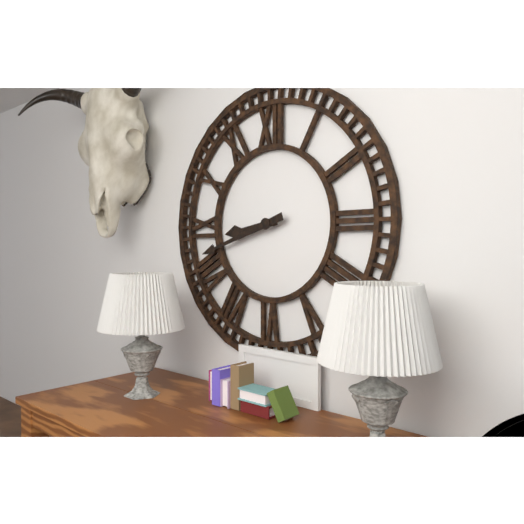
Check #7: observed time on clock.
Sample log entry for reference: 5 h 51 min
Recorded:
8 h 42 min
